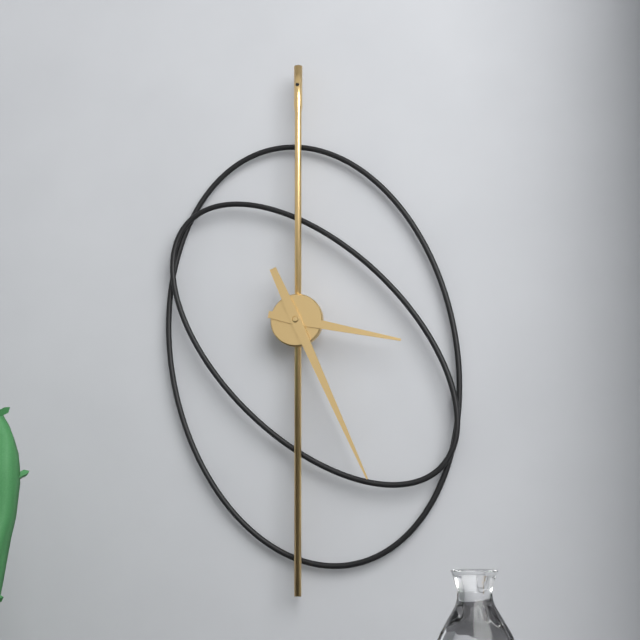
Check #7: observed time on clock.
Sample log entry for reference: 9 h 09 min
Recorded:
3 h 26 min
